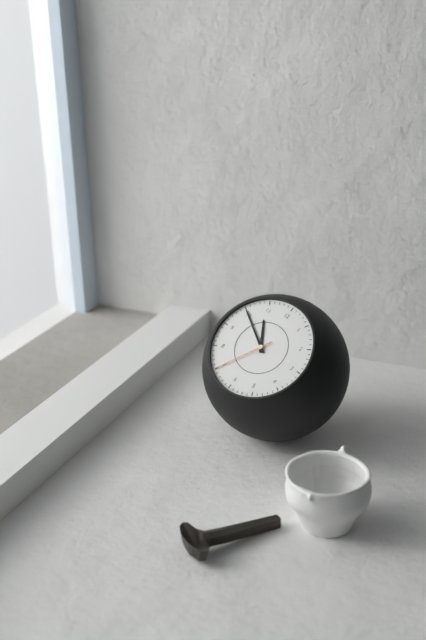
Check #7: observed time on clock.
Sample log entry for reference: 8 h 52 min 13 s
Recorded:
10 h 50 min 35 s
